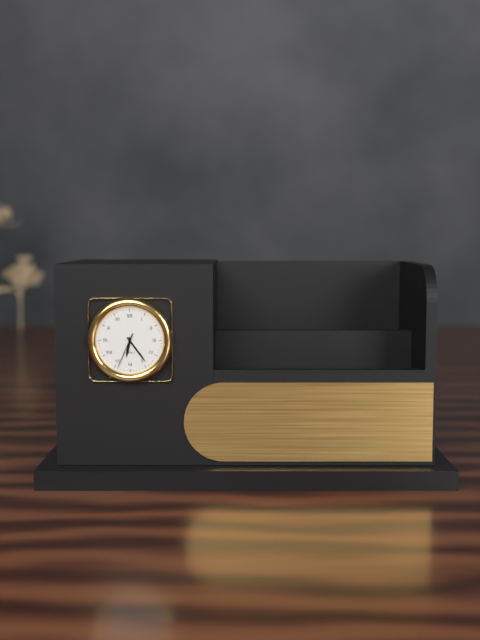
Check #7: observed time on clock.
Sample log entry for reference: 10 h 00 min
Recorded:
6 h 24 min
